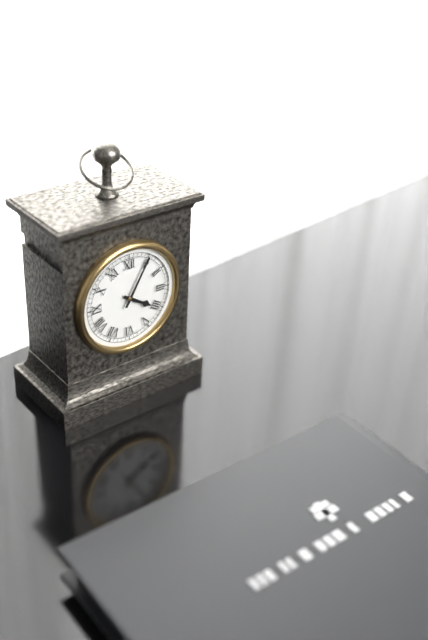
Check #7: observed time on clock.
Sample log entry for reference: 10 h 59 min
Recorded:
4 h 05 min
